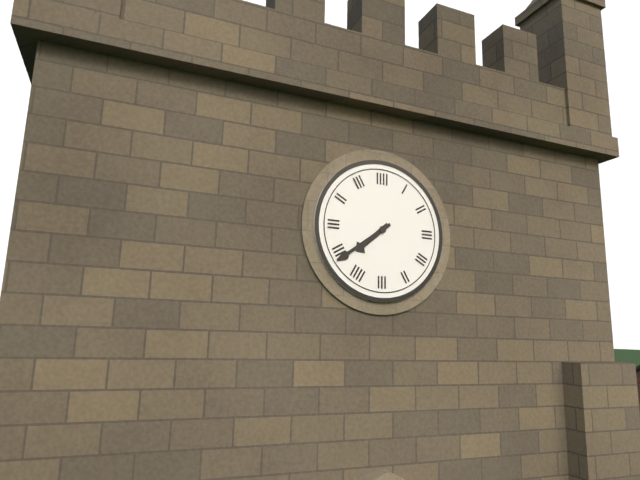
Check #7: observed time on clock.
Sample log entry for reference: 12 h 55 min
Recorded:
7 h 39 min
